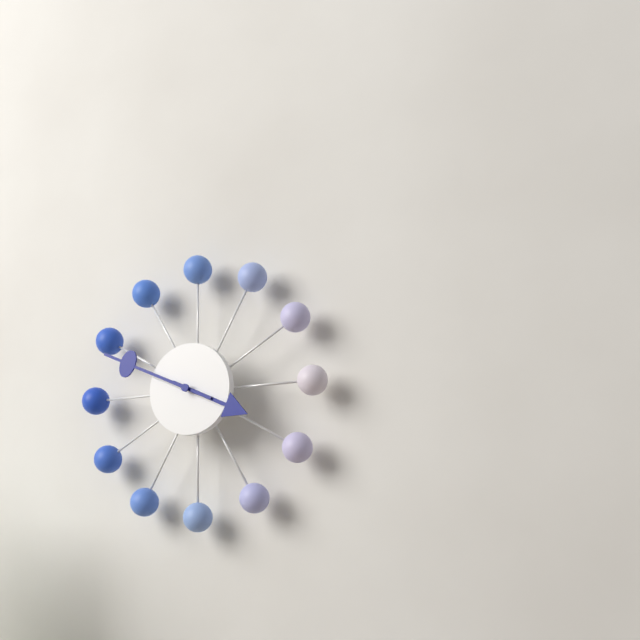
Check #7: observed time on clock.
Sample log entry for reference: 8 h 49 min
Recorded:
3 h 49 min
